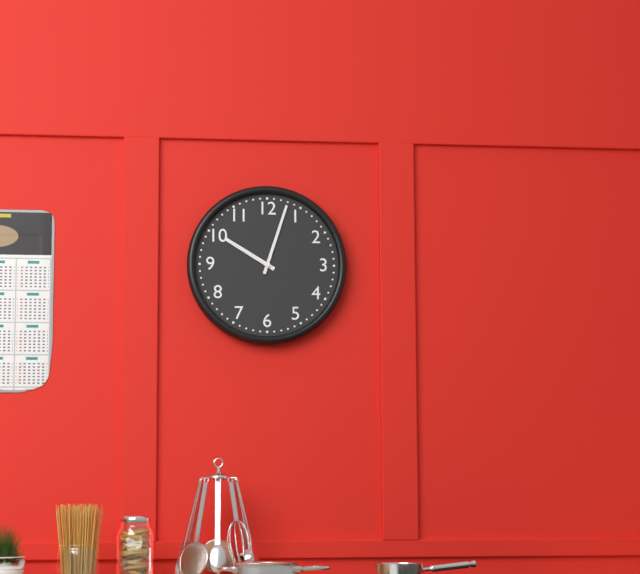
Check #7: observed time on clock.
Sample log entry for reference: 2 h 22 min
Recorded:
10 h 03 min
